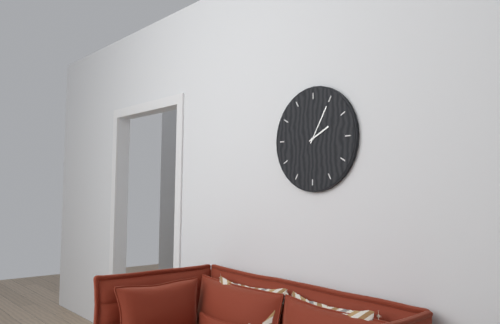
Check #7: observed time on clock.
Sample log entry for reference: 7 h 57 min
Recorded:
2 h 05 min
